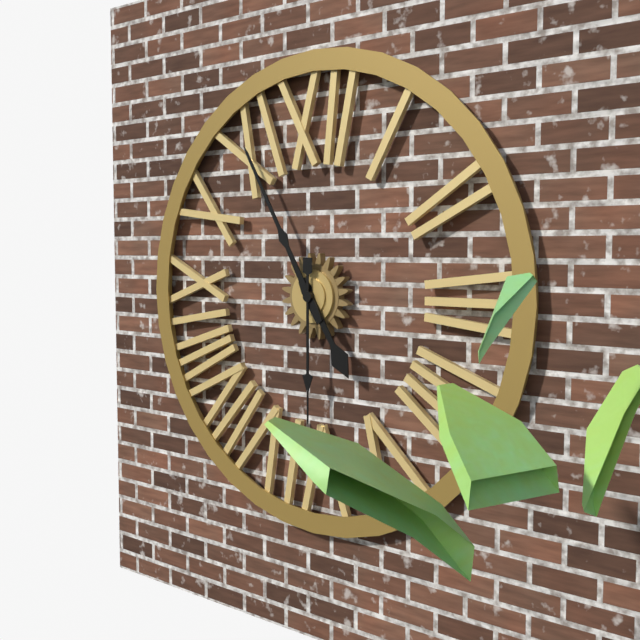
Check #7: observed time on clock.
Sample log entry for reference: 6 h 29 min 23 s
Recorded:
4 h 55 min 30 s
